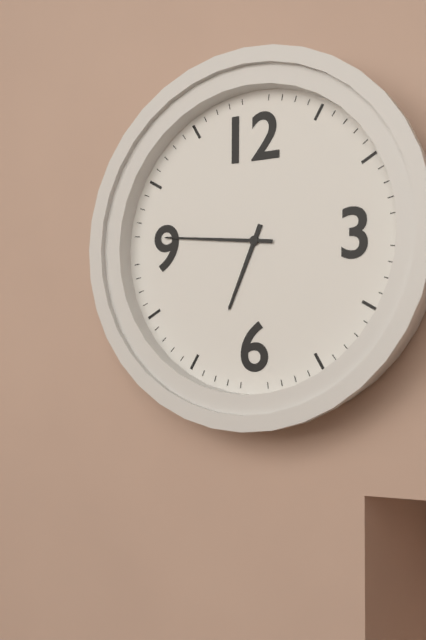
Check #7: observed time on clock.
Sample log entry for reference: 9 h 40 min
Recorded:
6 h 46 min
